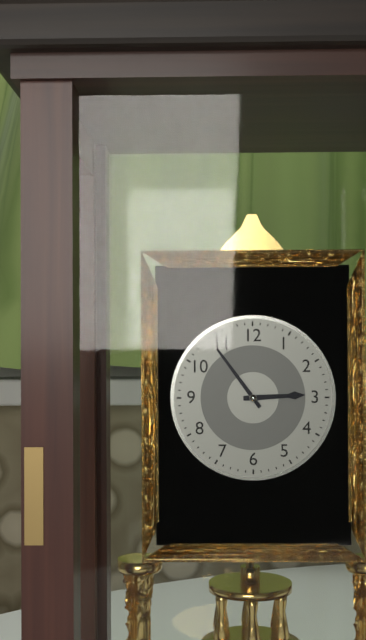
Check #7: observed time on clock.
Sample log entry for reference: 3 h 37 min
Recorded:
2 h 54 min
